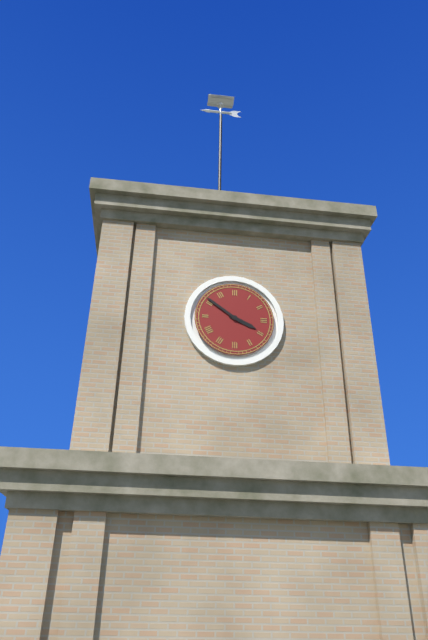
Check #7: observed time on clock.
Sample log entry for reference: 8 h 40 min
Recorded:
3 h 51 min
